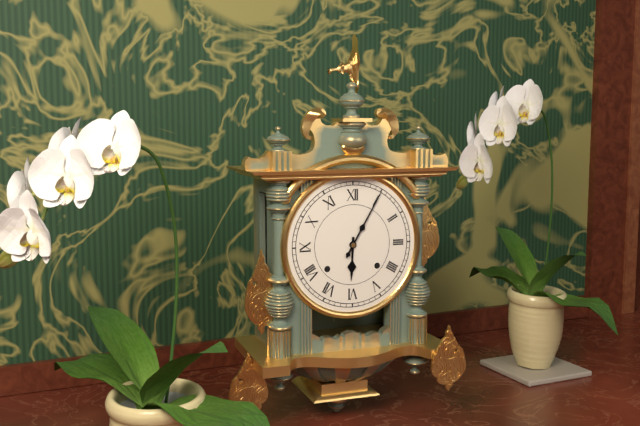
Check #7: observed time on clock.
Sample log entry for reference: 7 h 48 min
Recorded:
6 h 05 min
